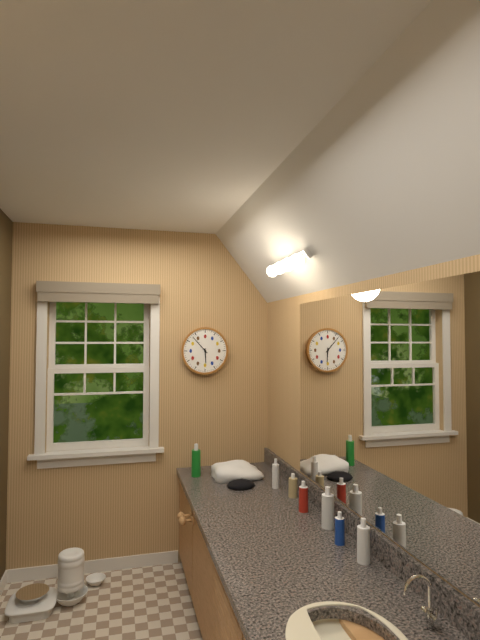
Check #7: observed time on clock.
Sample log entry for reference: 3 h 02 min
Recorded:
5 h 53 min
